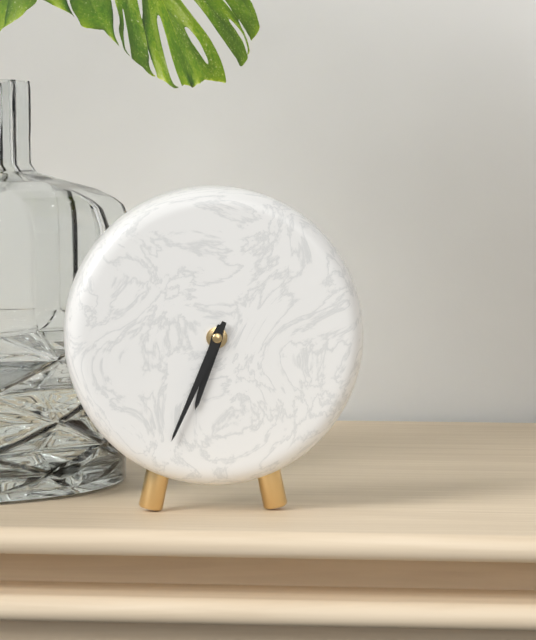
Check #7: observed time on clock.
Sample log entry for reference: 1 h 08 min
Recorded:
6 h 34 min
